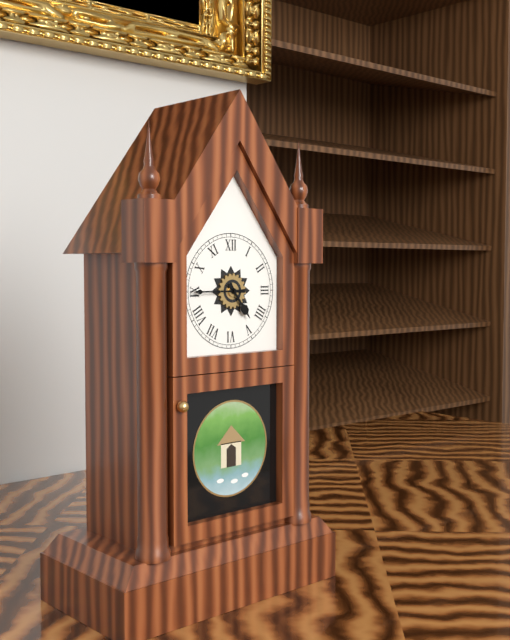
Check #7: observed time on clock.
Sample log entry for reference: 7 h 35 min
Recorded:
4 h 45 min
